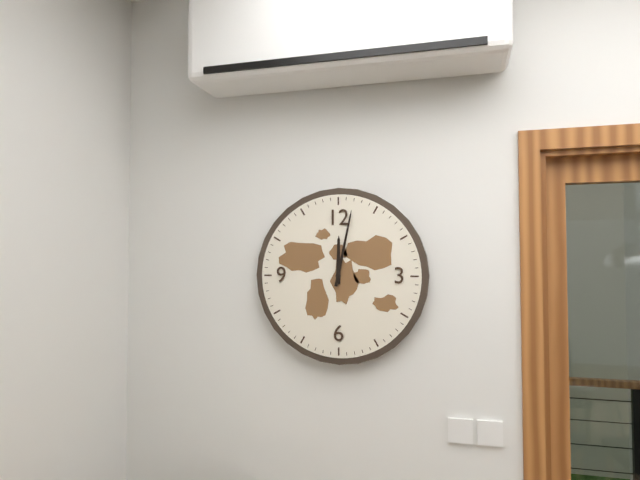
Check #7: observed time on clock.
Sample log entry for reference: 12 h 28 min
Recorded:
12 h 02 min
